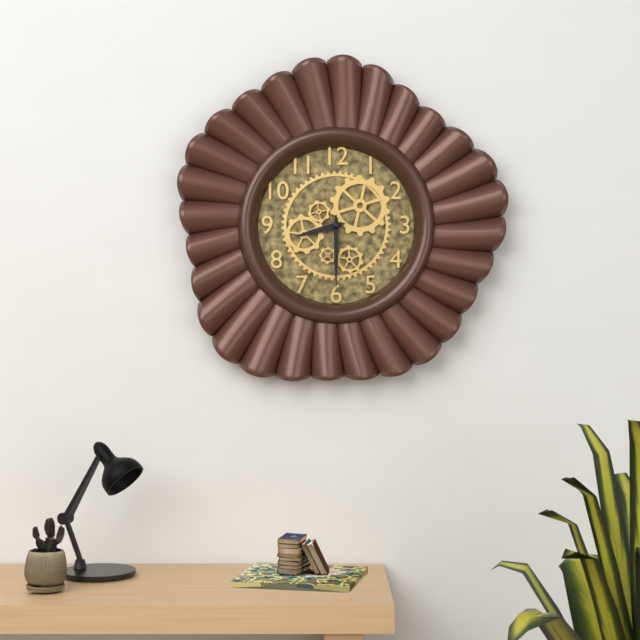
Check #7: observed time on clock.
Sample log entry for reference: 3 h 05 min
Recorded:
8 h 30 min
